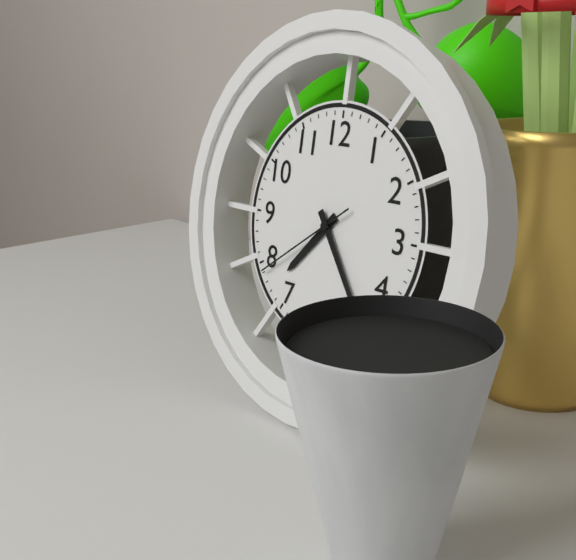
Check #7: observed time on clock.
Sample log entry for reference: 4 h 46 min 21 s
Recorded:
7 h 24 min 39 s
